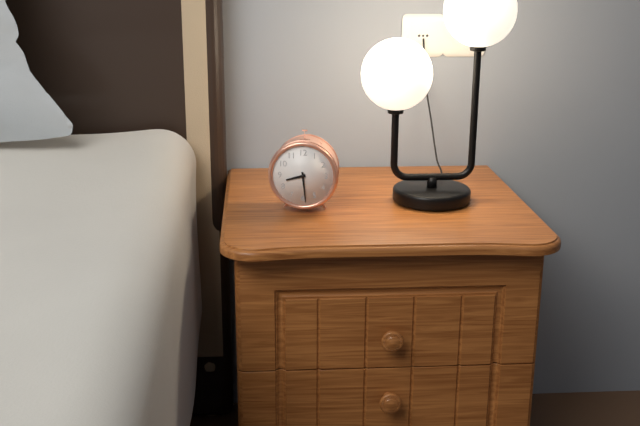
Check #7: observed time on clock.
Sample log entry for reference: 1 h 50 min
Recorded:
8 h 29 min
